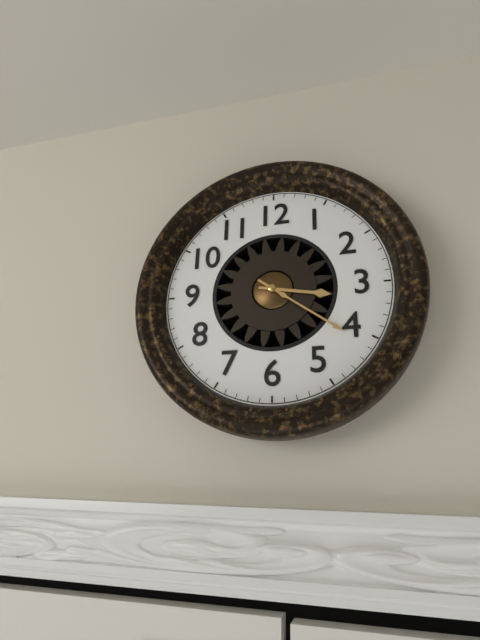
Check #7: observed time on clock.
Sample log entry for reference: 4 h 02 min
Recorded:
3 h 21 min
